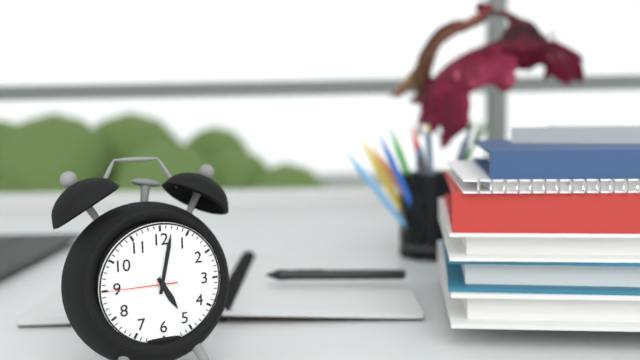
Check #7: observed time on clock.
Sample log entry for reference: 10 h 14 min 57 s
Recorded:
5 h 02 min 45 s
